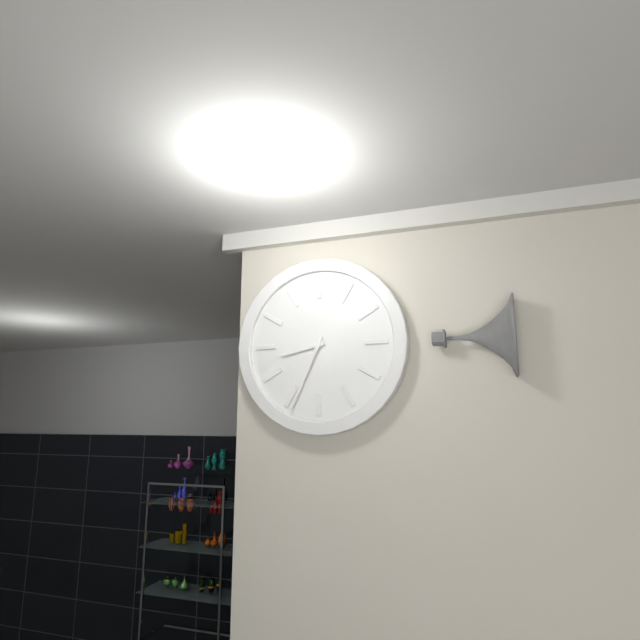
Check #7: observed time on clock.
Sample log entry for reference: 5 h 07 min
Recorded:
8 h 34 min
